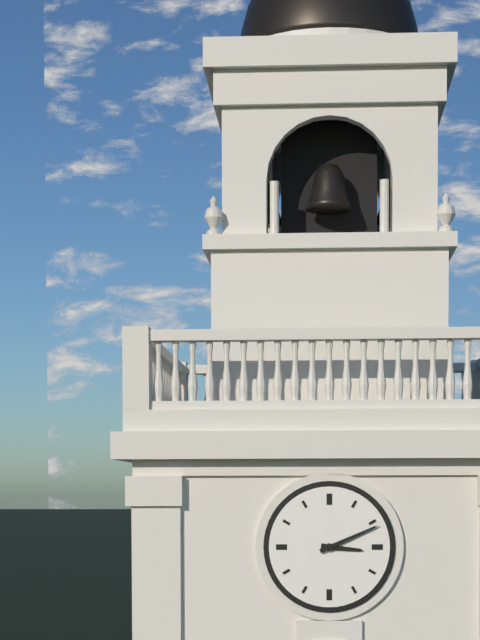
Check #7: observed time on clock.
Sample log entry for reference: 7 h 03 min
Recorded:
3 h 11 min
